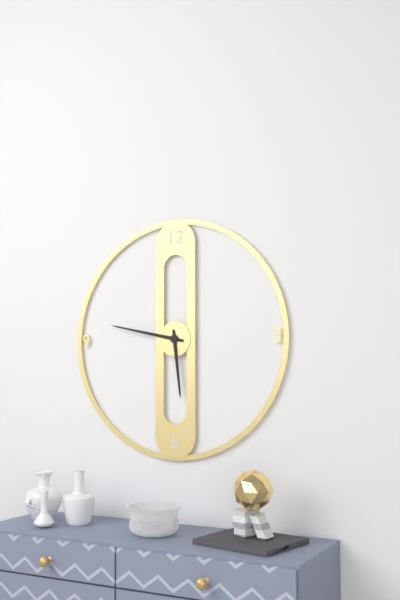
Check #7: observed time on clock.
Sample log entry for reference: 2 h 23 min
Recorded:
5 h 47 min
